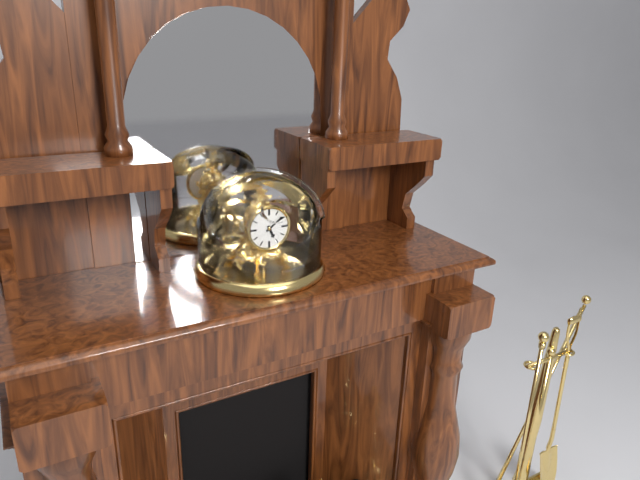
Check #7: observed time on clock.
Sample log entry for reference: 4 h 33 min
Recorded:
5 h 09 min
